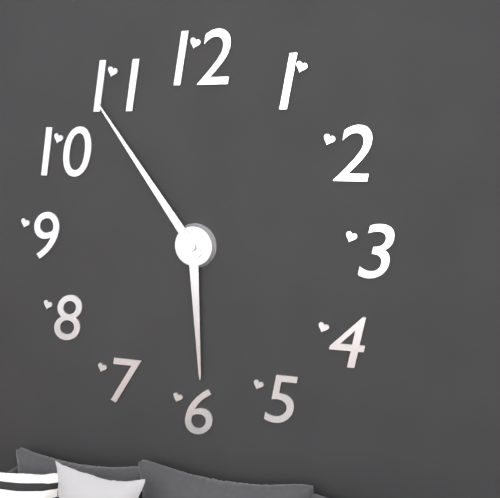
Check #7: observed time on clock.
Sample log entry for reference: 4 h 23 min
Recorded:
5 h 54 min
